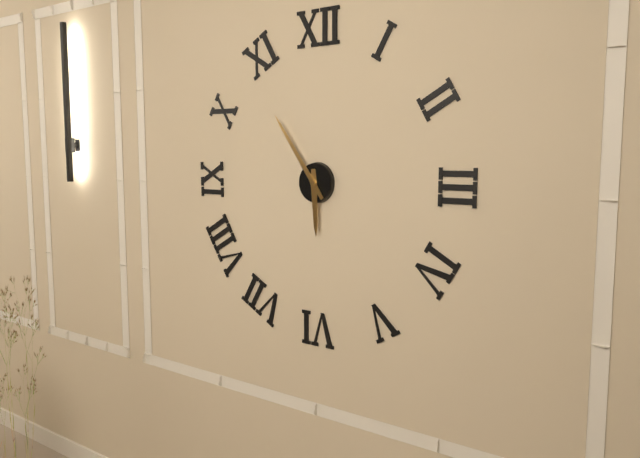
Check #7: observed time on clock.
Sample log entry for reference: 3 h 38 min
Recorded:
5 h 54 min
